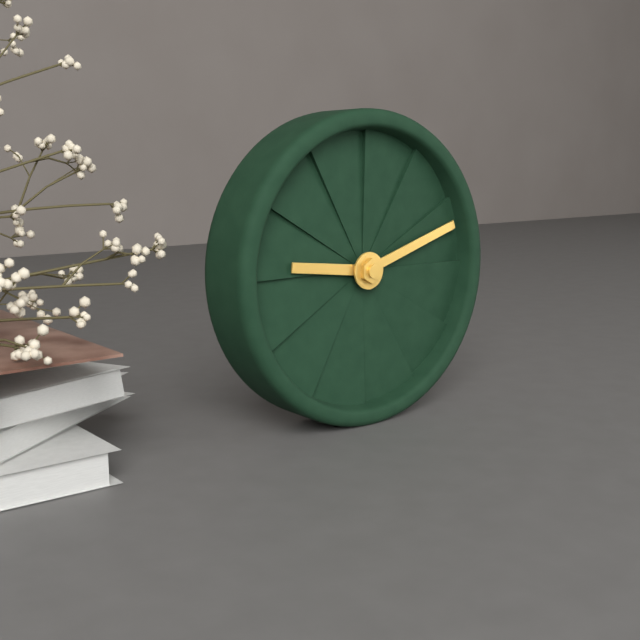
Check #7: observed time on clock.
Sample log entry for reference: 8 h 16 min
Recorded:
9 h 12 min
